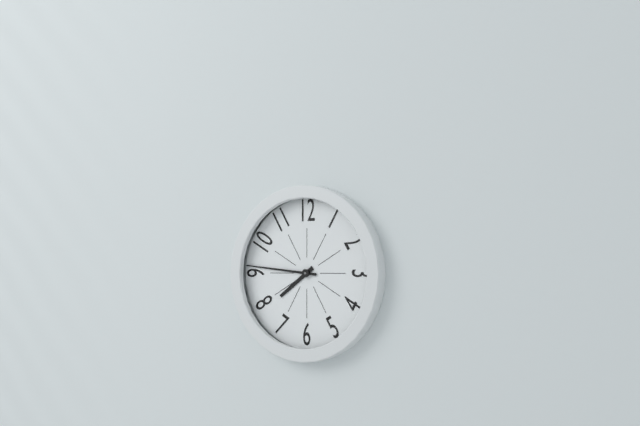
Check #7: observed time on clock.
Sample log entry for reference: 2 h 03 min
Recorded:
7 h 46 min
